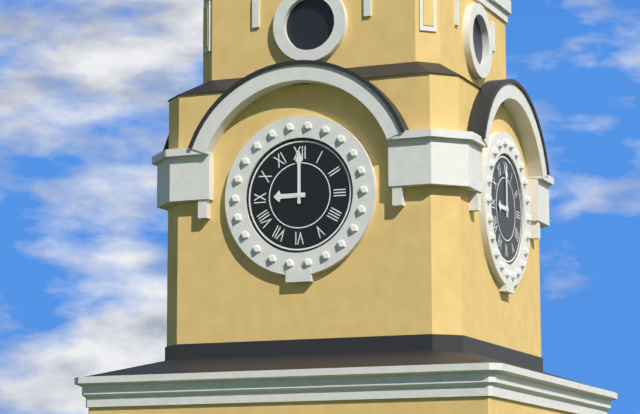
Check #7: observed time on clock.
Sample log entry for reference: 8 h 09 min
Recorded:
9 h 00 min
